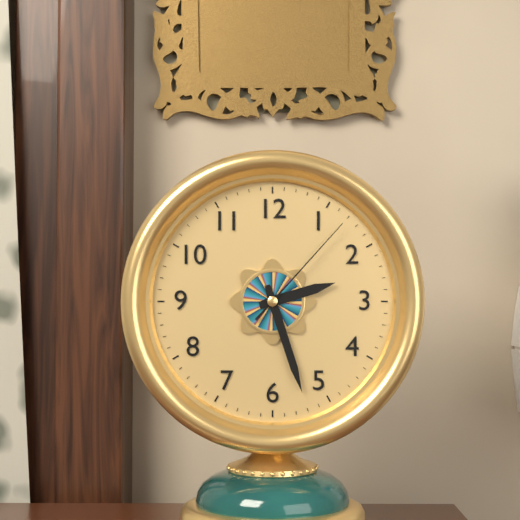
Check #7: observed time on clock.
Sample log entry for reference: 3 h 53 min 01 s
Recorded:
2 h 27 min 07 s
